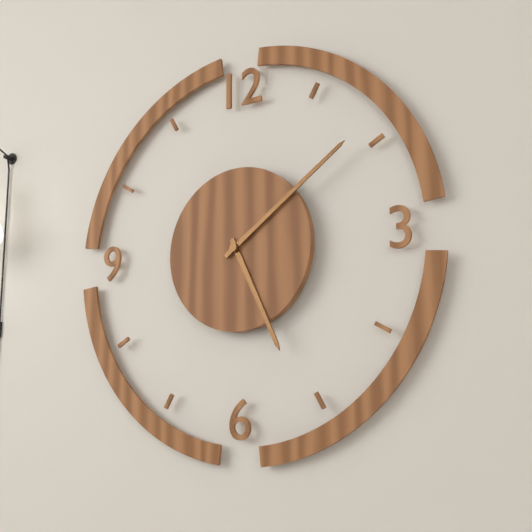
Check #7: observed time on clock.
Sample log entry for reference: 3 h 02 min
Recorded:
5 h 09 min
